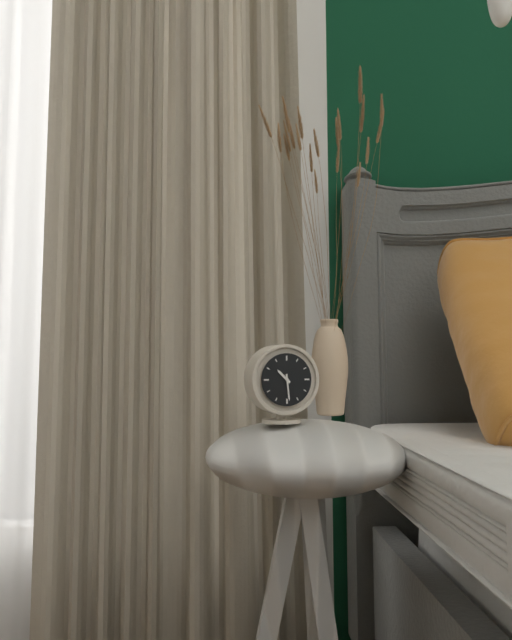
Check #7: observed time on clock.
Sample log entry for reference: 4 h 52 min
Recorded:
10 h 29 min
